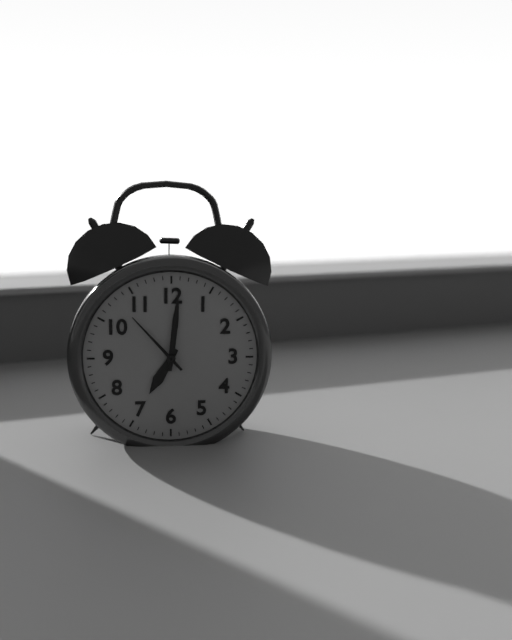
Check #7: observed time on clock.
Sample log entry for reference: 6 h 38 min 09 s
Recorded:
7 h 01 min 53 s
